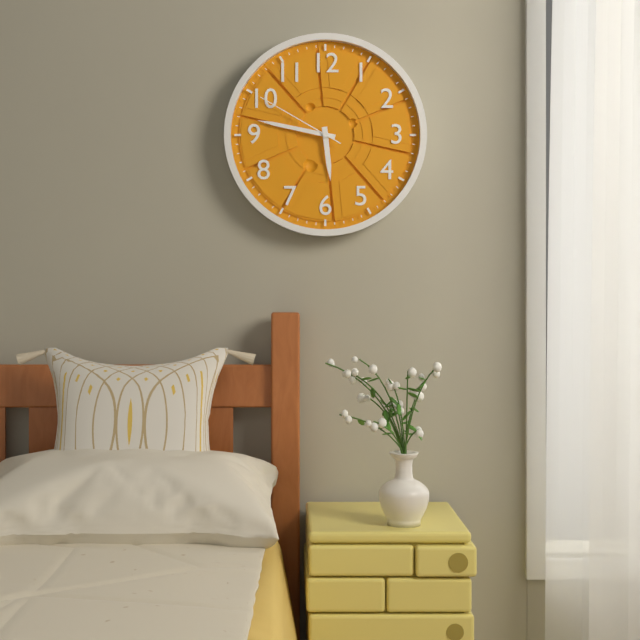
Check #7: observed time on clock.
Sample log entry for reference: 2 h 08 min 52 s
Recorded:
5 h 47 min 50 s
